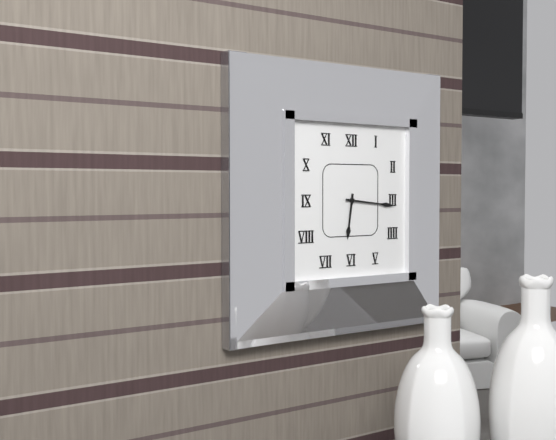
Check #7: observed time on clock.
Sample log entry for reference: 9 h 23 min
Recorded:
6 h 16 min
